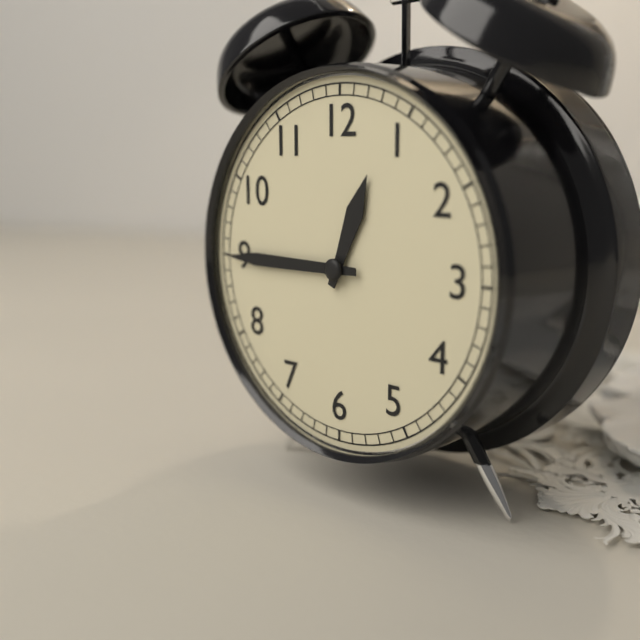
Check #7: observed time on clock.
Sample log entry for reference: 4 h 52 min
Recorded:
12 h 45 min
